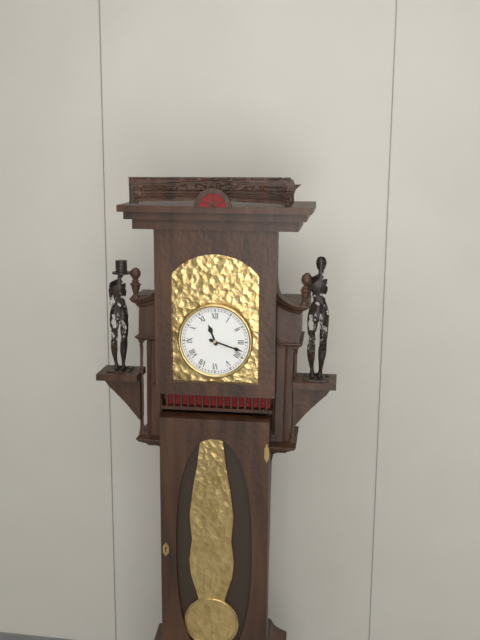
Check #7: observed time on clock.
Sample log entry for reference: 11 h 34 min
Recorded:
11 h 18 min
